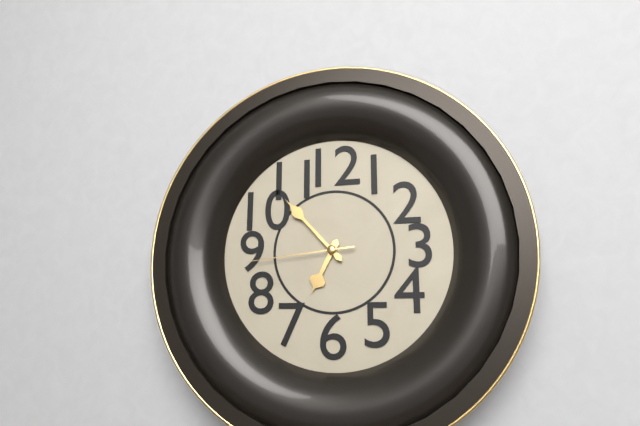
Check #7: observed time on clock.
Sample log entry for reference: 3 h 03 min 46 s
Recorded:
6 h 53 min 44 s
